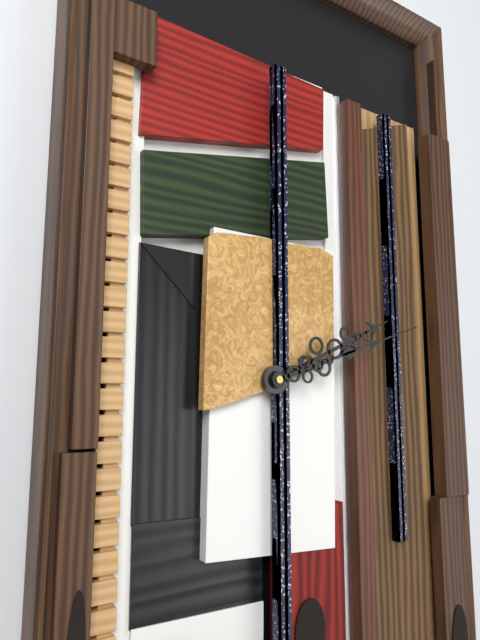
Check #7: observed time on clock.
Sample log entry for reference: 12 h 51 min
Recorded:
2 h 12 min
